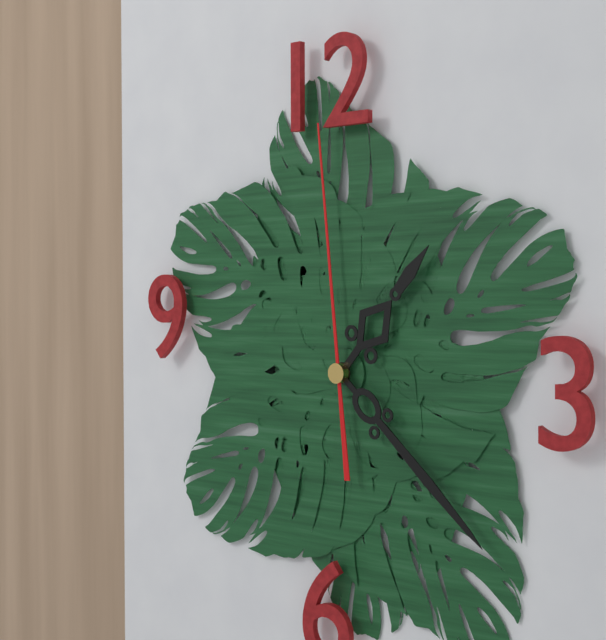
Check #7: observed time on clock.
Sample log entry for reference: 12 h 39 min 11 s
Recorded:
1 h 22 min 59 s
